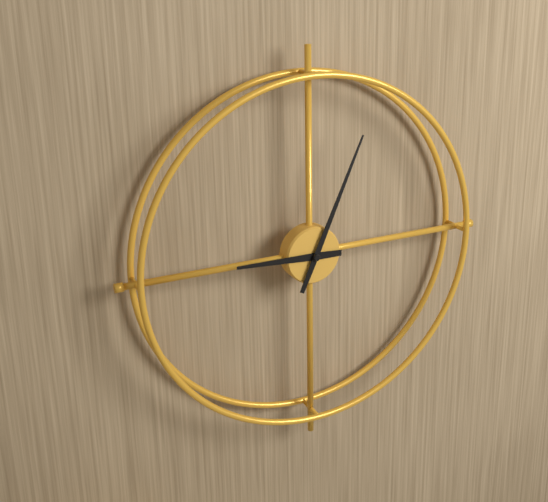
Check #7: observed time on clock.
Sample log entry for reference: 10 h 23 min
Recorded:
9 h 04 min
